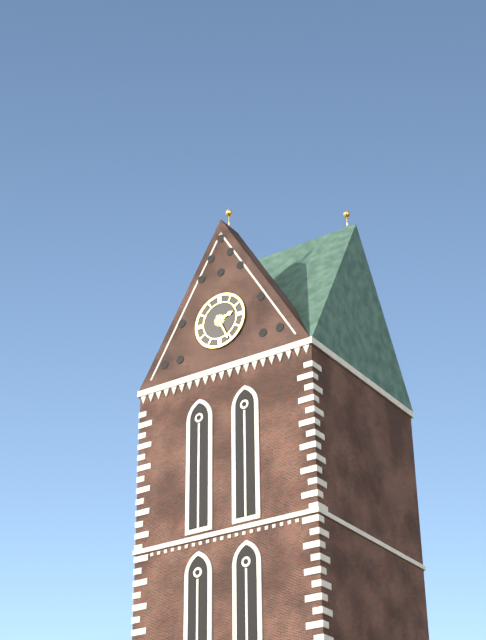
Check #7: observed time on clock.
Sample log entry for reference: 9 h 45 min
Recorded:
2 h 26 min
